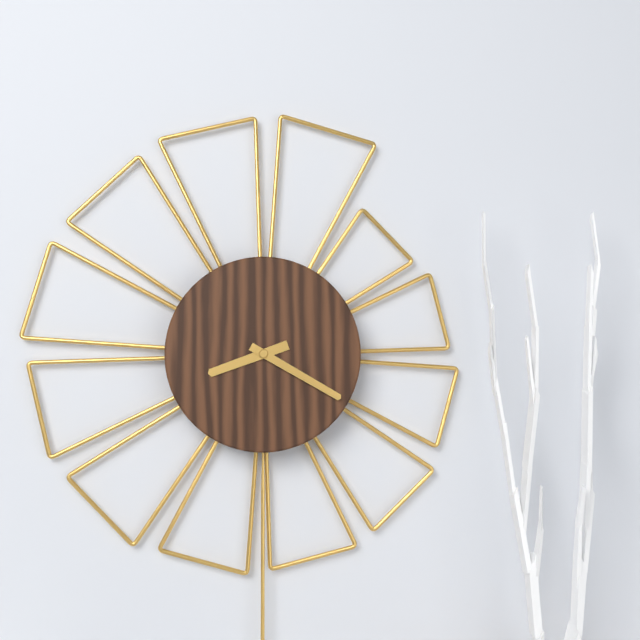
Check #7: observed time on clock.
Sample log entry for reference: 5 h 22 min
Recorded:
8 h 20 min
